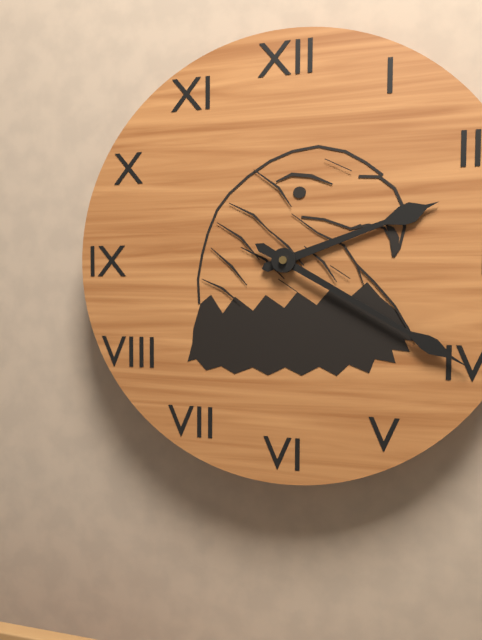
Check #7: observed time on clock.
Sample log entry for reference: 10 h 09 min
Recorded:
2 h 20 min
